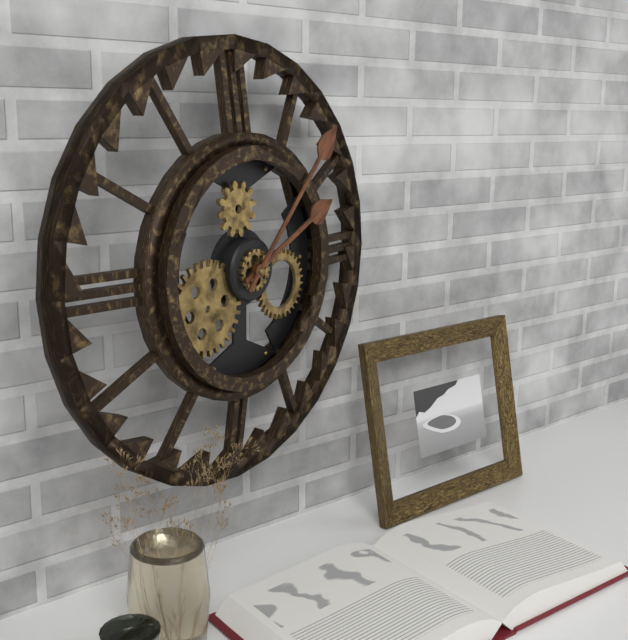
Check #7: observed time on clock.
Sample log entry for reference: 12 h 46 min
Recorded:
2 h 07 min
